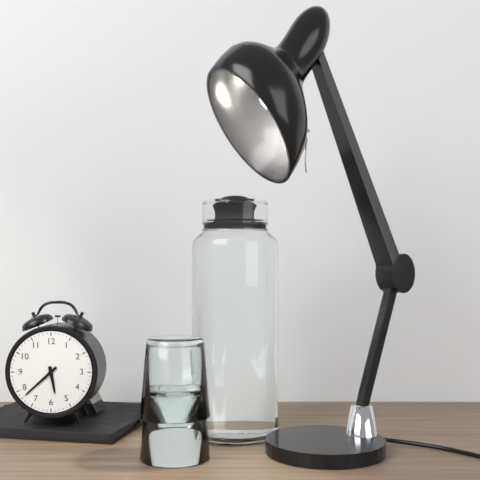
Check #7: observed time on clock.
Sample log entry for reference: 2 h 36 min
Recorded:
5 h 38 min
